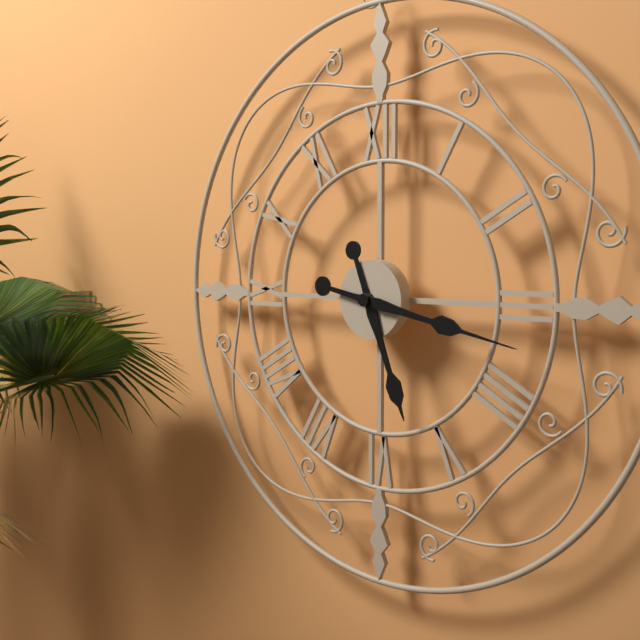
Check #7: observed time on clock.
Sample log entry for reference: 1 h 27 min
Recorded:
5 h 17 min
